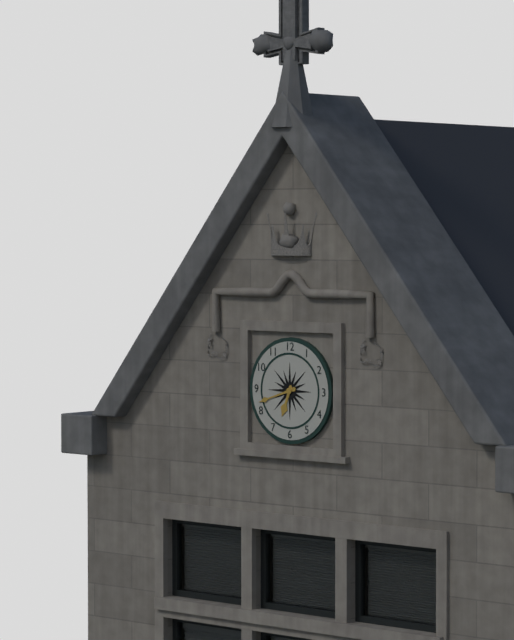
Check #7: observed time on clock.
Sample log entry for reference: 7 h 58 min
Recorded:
6 h 42 min
